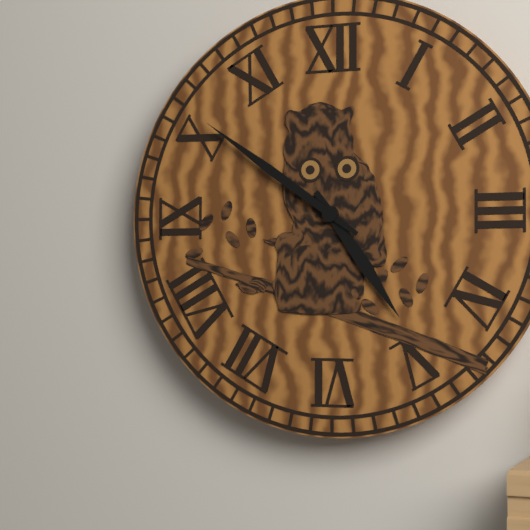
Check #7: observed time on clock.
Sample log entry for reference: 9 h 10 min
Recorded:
4 h 51 min
